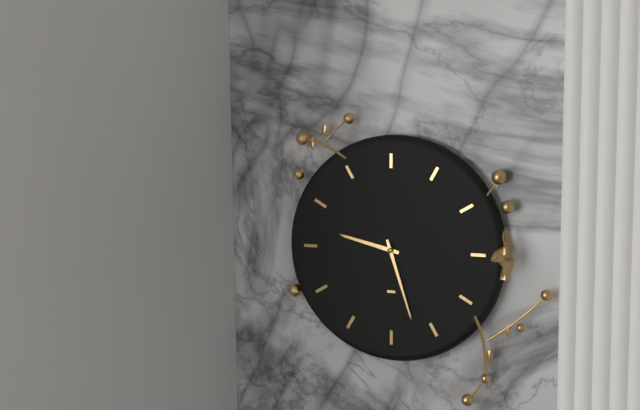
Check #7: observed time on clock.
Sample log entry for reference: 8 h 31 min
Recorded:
9 h 27 min
